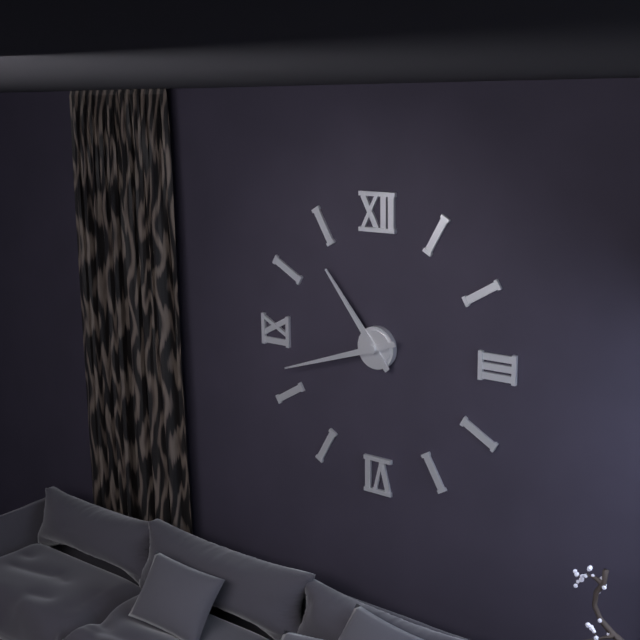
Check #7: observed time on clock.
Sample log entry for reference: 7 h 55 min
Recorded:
10 h 42 min
